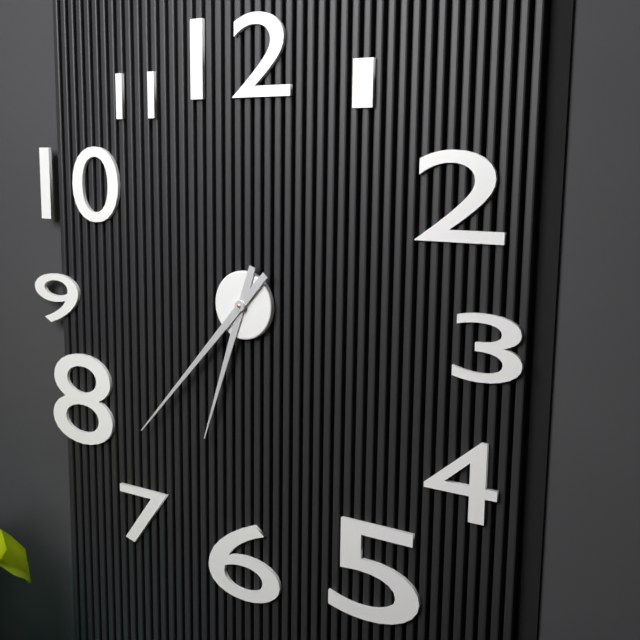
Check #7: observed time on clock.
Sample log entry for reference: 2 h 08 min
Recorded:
6 h 37 min
